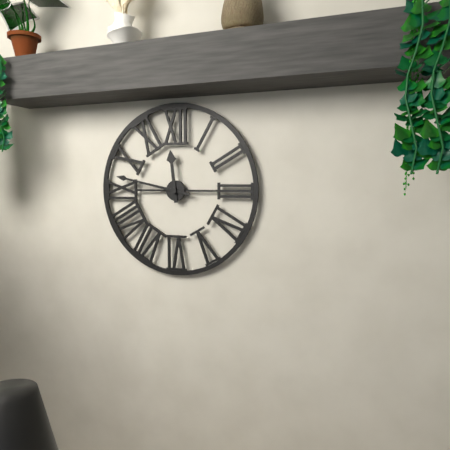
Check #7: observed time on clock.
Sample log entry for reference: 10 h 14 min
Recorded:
11 h 47 min
